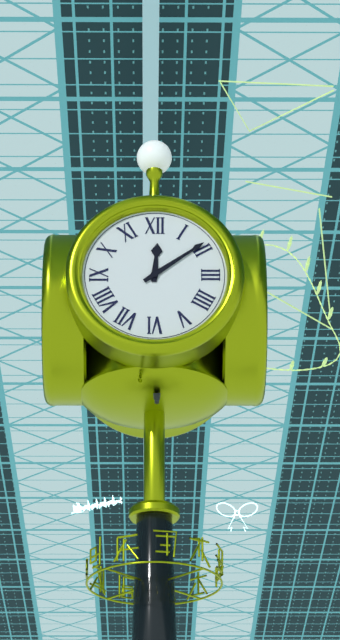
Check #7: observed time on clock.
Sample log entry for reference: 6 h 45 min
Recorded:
12 h 09 min
